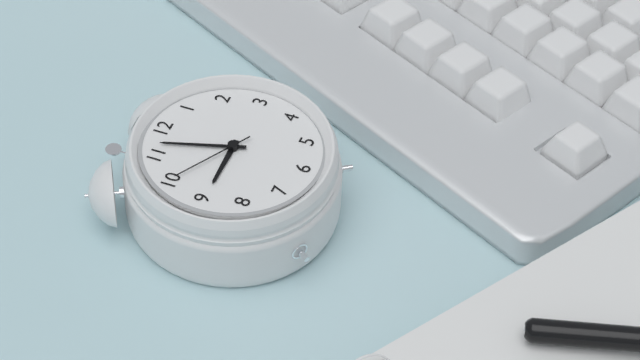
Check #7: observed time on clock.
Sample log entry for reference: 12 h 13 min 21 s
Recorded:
8 h 57 min 50 s
